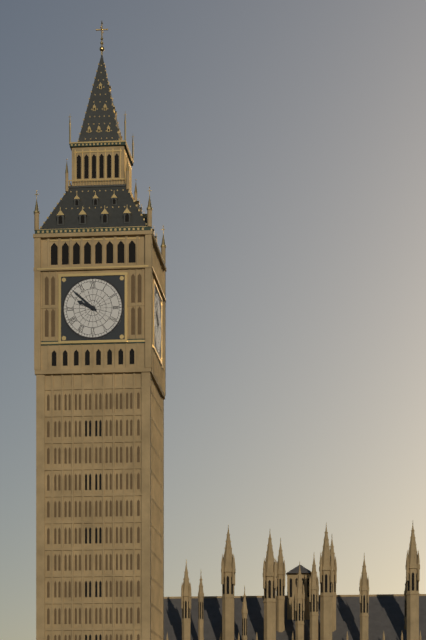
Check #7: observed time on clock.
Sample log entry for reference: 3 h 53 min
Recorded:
9 h 52 min
